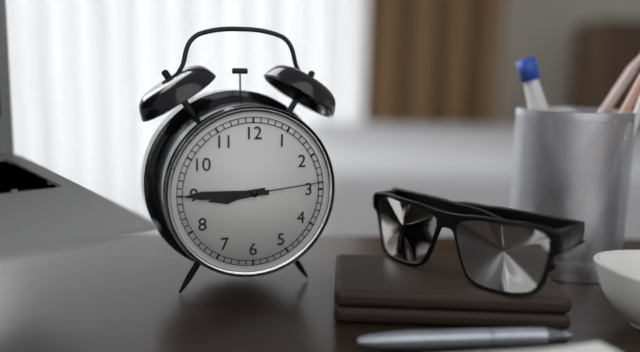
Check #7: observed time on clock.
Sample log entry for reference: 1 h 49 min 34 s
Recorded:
8 h 45 min 14 s
